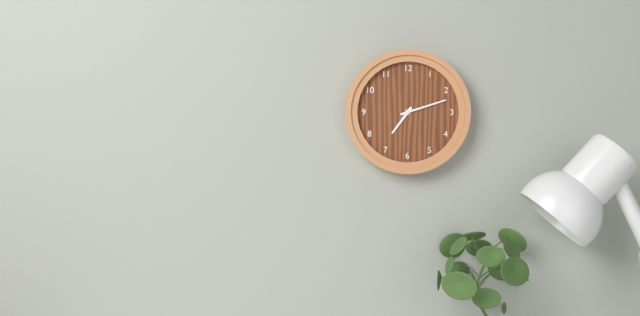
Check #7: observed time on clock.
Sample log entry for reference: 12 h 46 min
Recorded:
7 h 12 min
